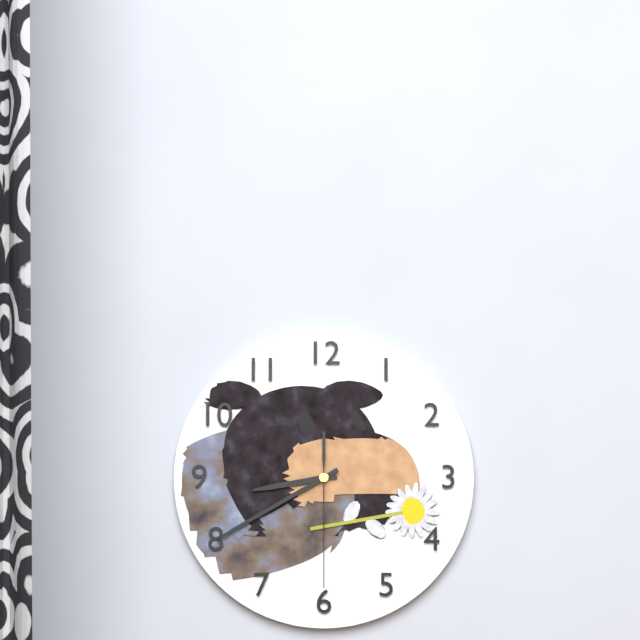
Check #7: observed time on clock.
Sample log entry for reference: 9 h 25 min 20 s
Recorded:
8 h 40 min 30 s
